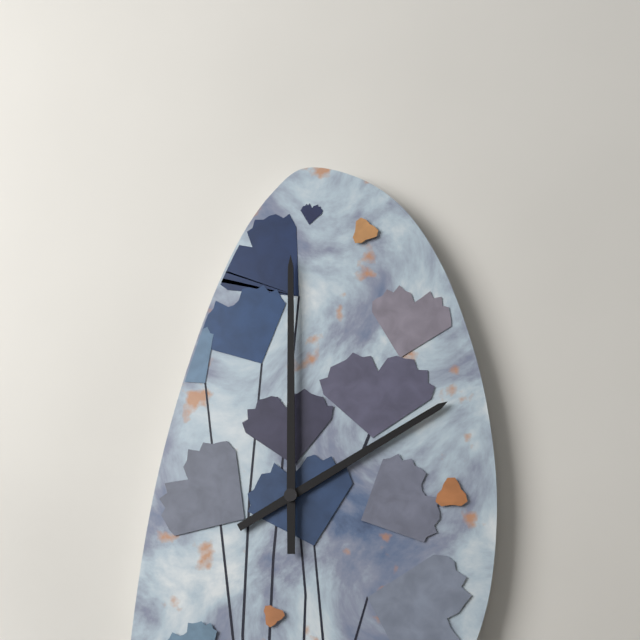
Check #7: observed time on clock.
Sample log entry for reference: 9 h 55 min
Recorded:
2 h 00 min
